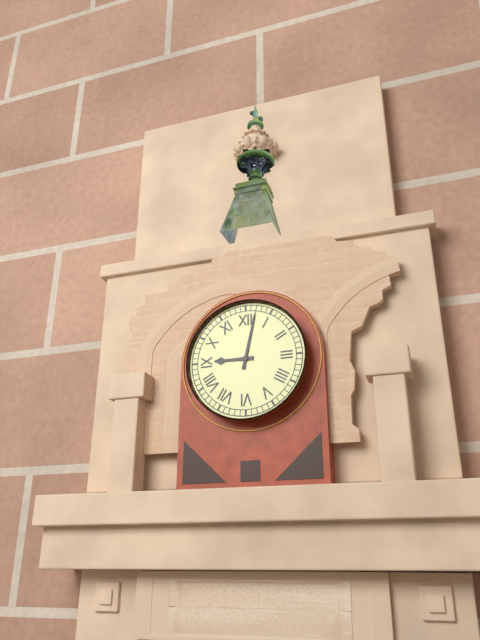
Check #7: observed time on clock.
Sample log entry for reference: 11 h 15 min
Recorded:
9 h 02 min
